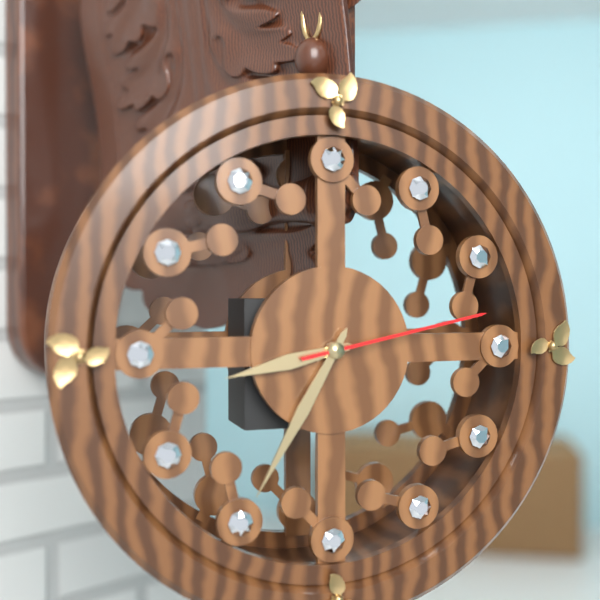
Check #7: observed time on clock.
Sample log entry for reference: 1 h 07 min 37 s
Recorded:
8 h 35 min 13 s
